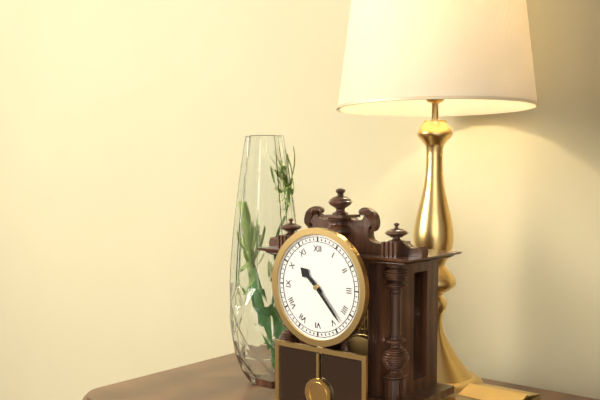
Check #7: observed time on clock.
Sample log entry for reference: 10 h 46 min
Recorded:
10 h 23 min
